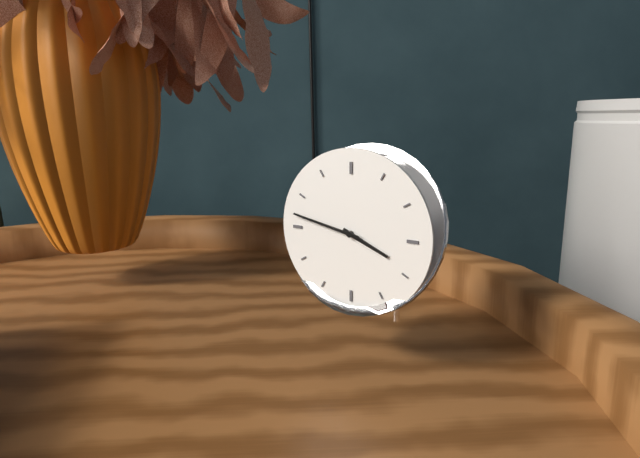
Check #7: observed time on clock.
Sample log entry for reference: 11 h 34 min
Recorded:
3 h 47 min
